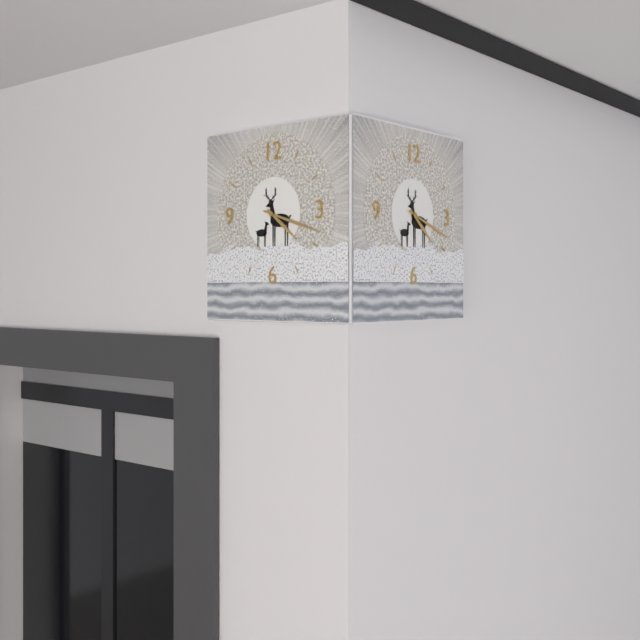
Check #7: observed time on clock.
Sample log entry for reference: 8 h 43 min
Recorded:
4 h 18 min
